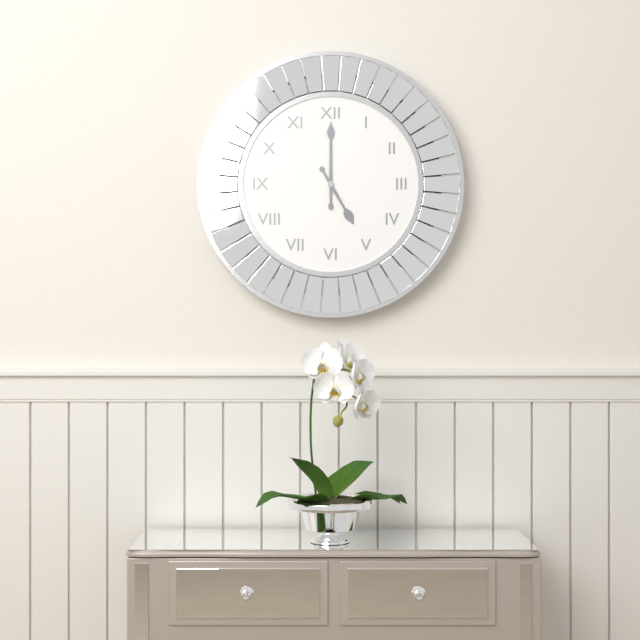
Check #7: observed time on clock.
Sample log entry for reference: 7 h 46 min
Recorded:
5 h 00 min
